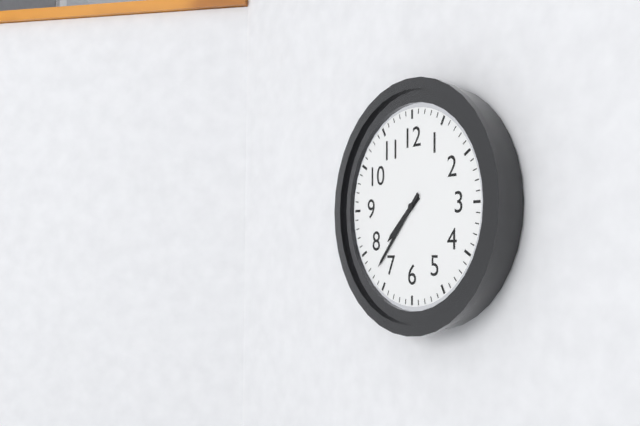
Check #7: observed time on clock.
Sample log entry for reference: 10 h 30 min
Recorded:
7 h 37 min
